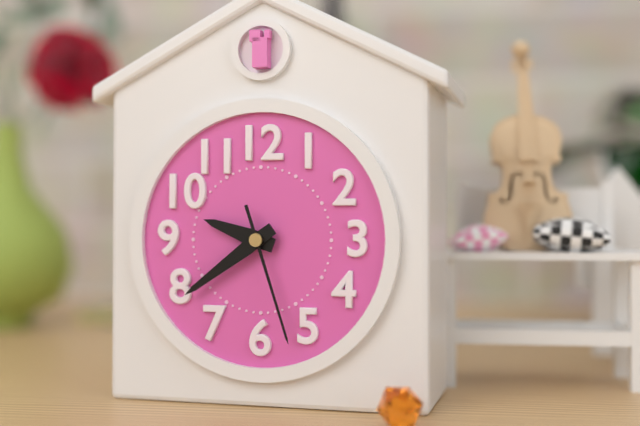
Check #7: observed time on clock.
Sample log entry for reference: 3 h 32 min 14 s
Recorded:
9 h 39 min 27 s
